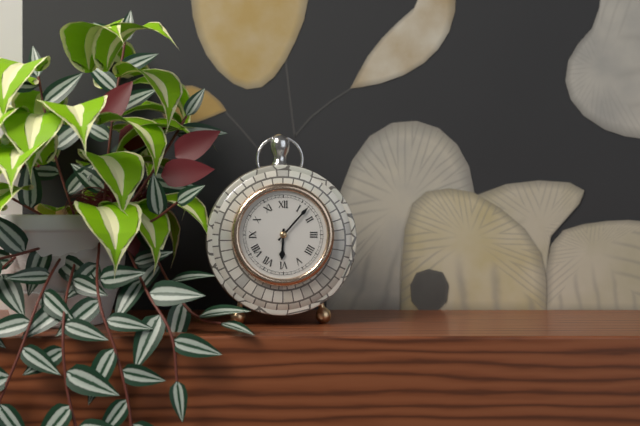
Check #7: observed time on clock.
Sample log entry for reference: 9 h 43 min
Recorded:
6 h 07 min
